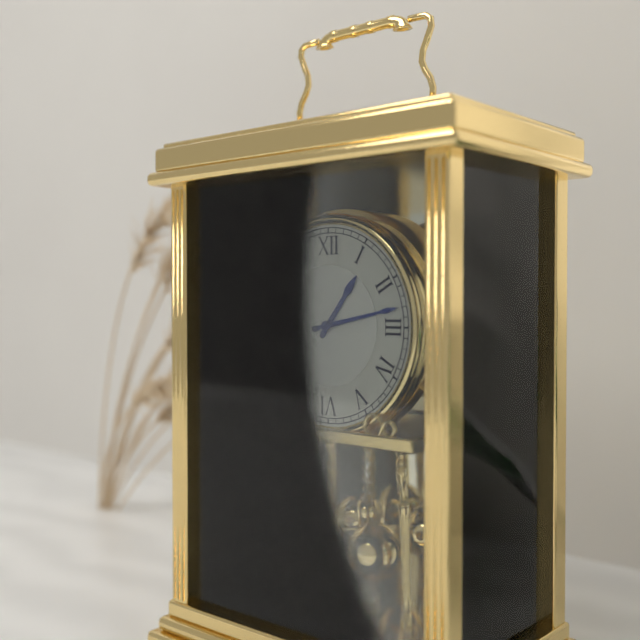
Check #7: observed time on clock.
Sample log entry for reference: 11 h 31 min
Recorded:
1 h 13 min
